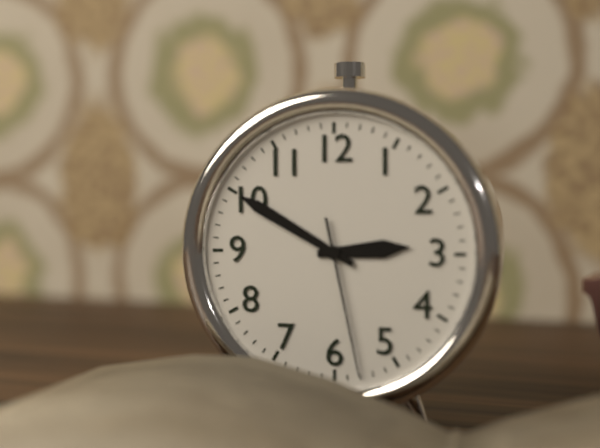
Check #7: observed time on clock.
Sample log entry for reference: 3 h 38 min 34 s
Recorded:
2 h 50 min 28 s
